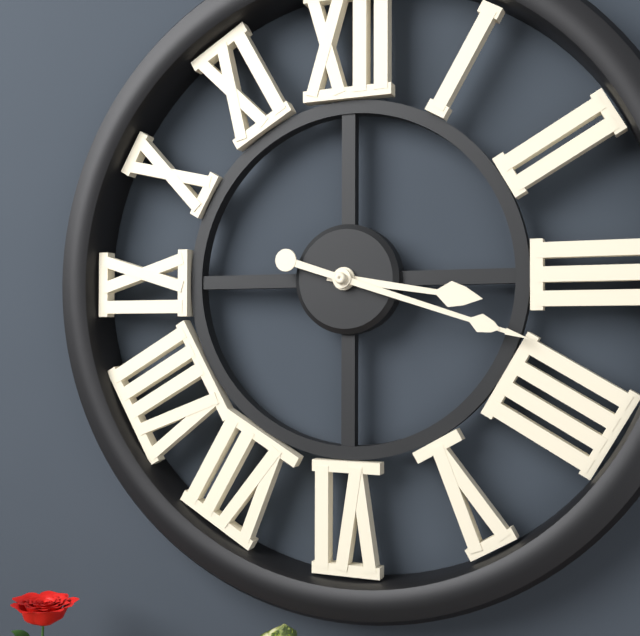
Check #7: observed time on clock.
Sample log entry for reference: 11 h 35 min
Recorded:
3 h 18 min
